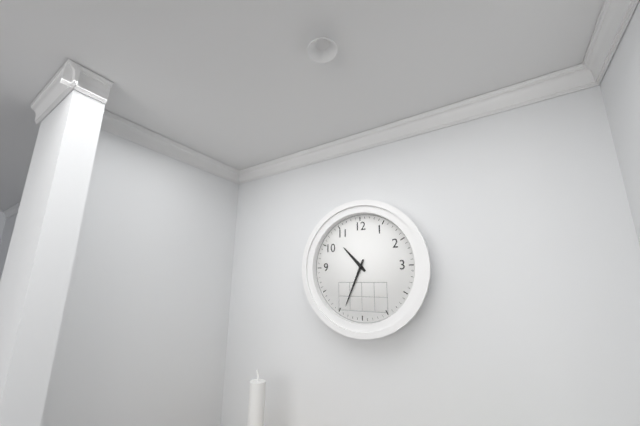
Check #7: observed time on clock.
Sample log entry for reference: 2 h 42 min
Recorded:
10 h 34 min
